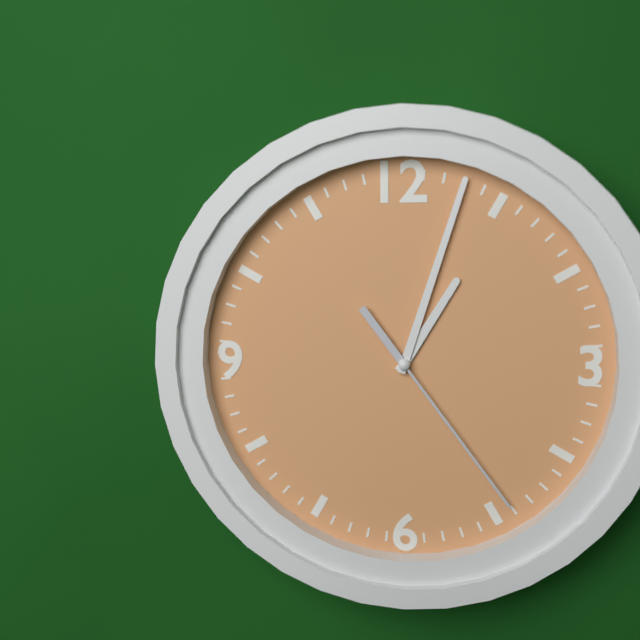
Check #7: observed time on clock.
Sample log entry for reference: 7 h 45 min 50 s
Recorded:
1 h 03 min 24 s
